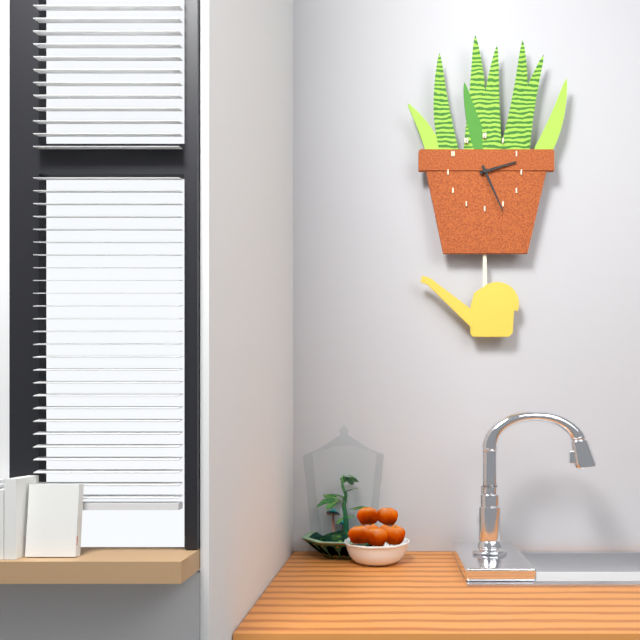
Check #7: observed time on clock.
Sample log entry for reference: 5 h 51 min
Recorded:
2 h 26 min
